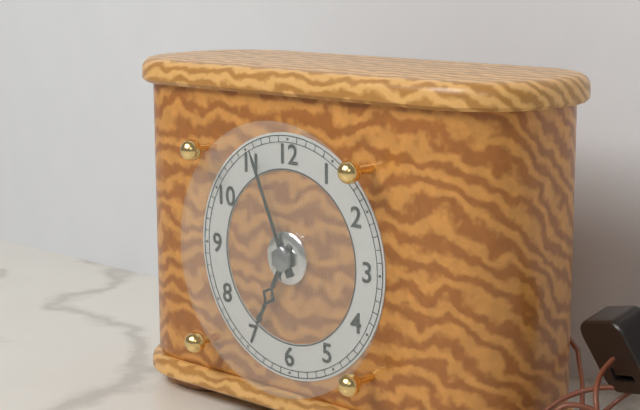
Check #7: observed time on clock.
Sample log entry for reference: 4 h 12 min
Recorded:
6 h 56 min
